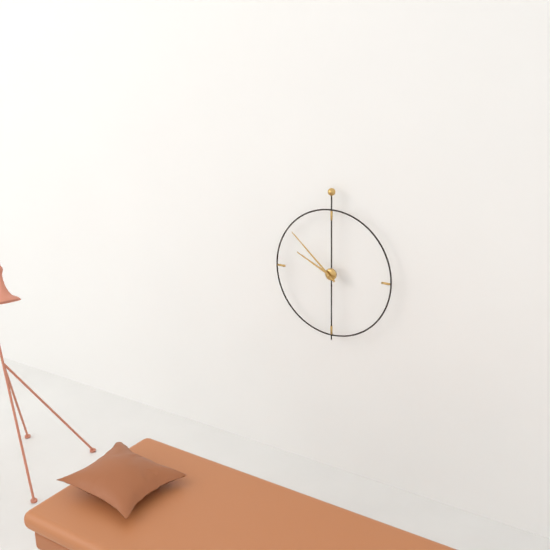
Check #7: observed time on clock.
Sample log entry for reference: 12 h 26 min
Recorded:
9 h 52 min
